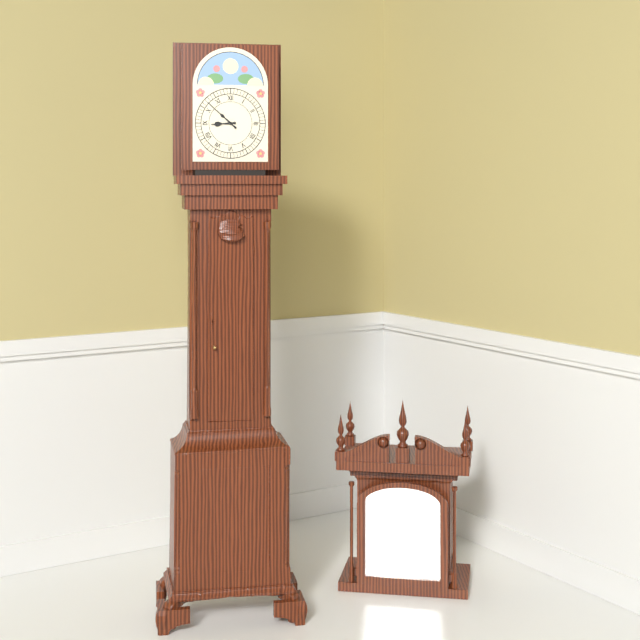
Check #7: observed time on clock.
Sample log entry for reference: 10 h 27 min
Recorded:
8 h 52 min
